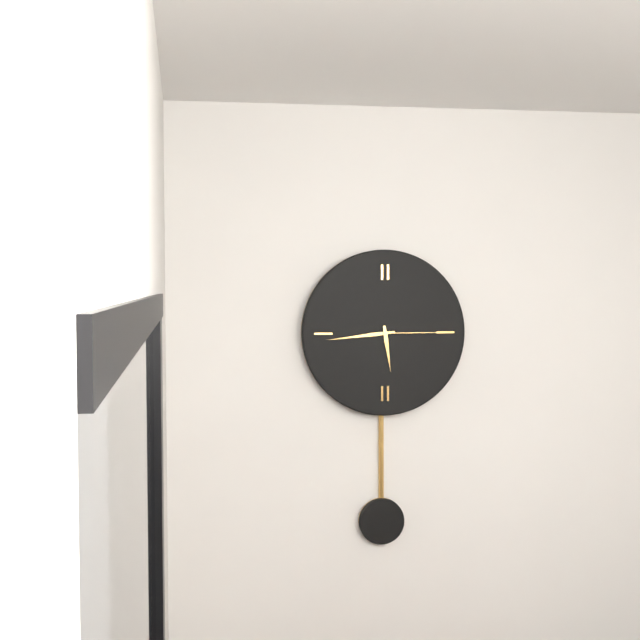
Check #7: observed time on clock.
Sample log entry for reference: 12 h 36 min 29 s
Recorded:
5 h 44 min 15 s
